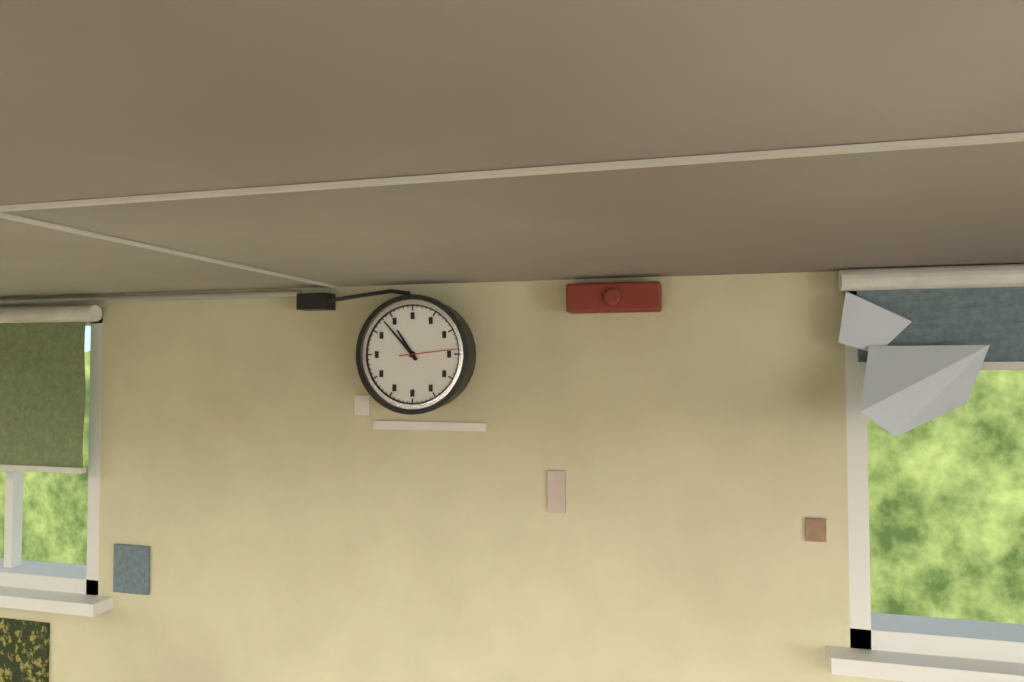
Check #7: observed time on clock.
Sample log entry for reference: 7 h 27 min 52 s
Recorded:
10 h 53 min 14 s
